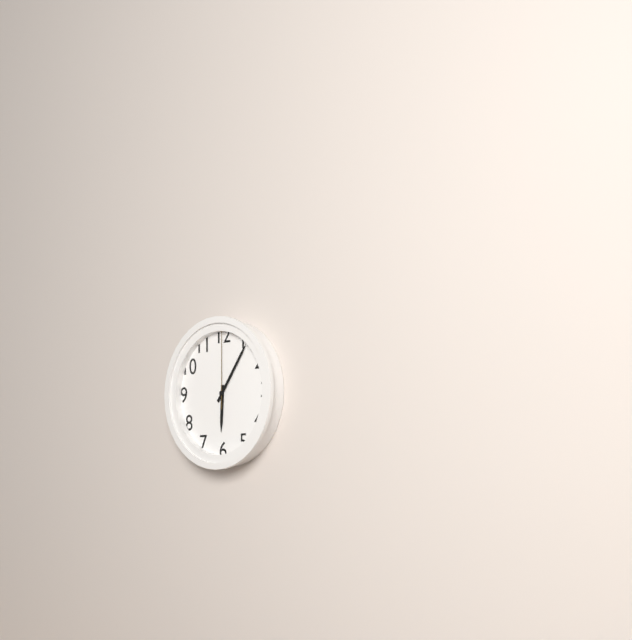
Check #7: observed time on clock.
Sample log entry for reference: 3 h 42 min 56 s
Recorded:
6 h 06 min 00 s
